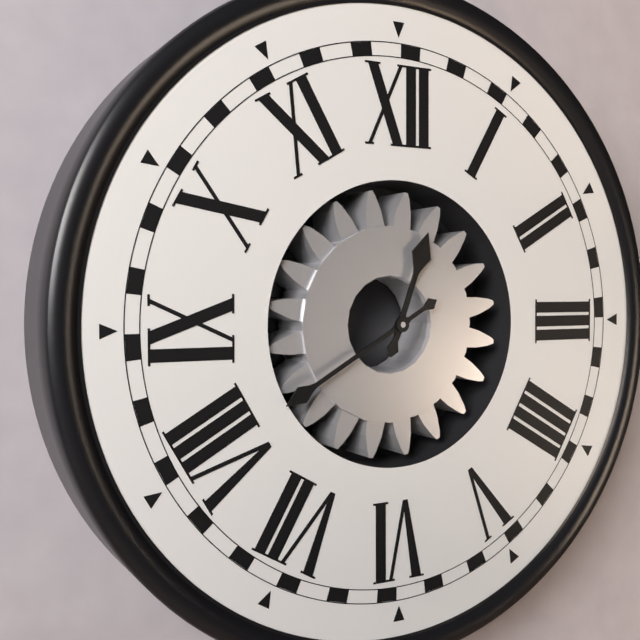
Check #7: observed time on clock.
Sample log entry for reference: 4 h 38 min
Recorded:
12 h 40 min
